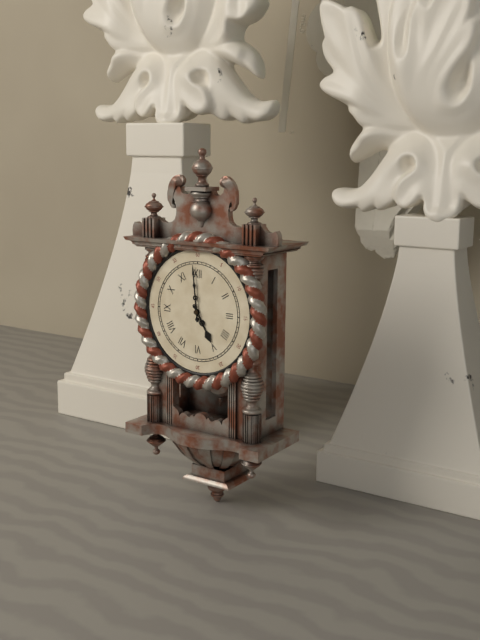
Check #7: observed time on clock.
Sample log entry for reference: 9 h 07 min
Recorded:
4 h 59 min
